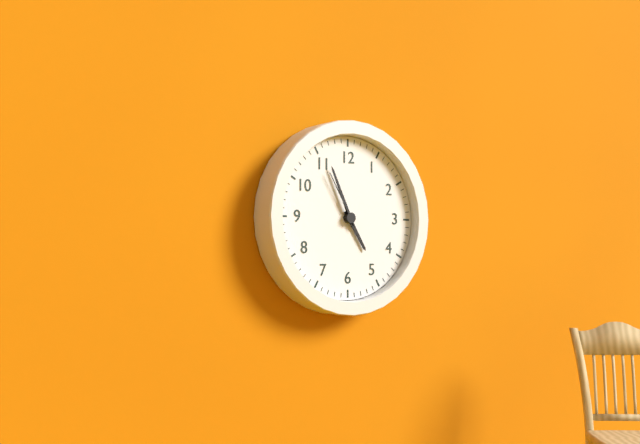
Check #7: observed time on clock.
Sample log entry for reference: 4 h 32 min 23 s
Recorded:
4 h 56 min 55 s
